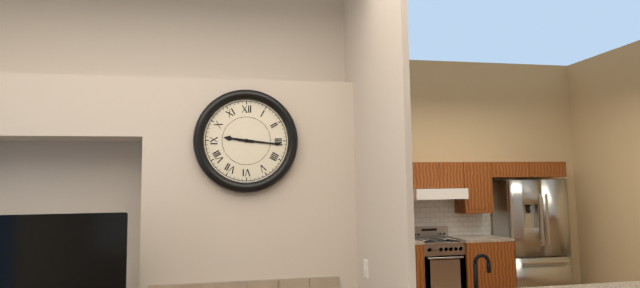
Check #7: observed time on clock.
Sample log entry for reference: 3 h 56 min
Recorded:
9 h 16 min
